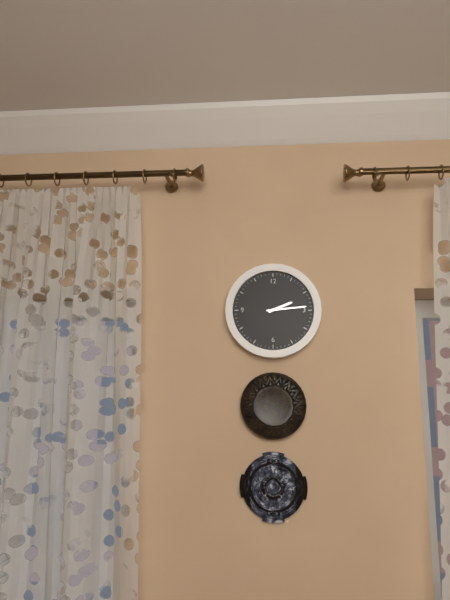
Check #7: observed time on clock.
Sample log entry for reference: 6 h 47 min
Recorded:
2 h 14 min
